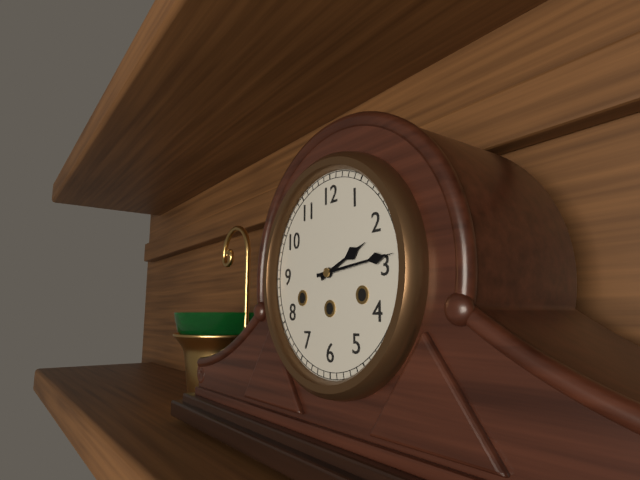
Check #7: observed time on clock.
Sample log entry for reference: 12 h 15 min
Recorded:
2 h 14 min
